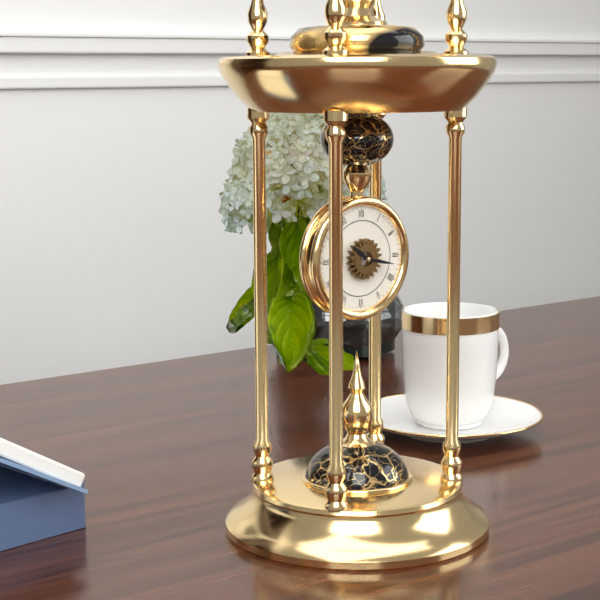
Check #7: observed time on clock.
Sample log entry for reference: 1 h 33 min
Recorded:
10 h 17 min
